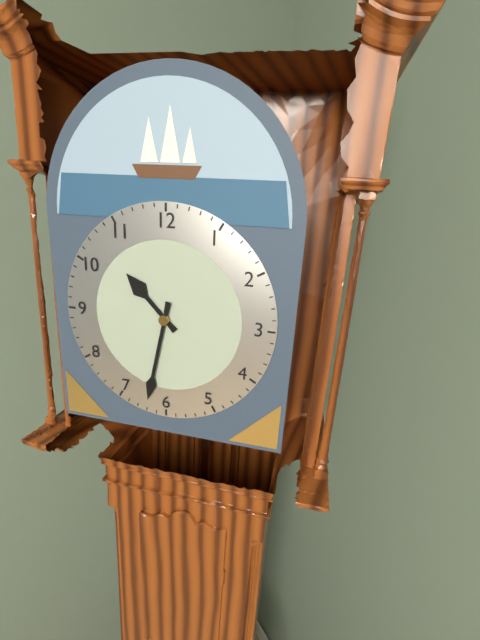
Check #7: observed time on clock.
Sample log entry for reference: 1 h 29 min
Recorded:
10 h 32 min
